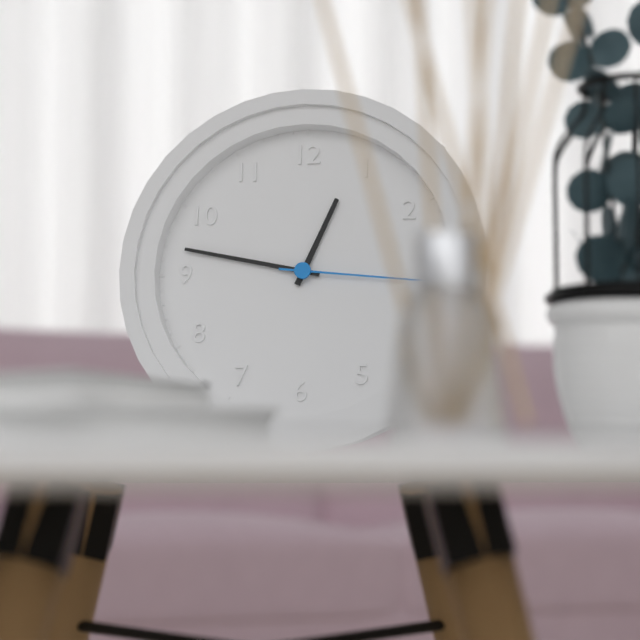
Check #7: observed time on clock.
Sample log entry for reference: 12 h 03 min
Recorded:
12 h 47 min
